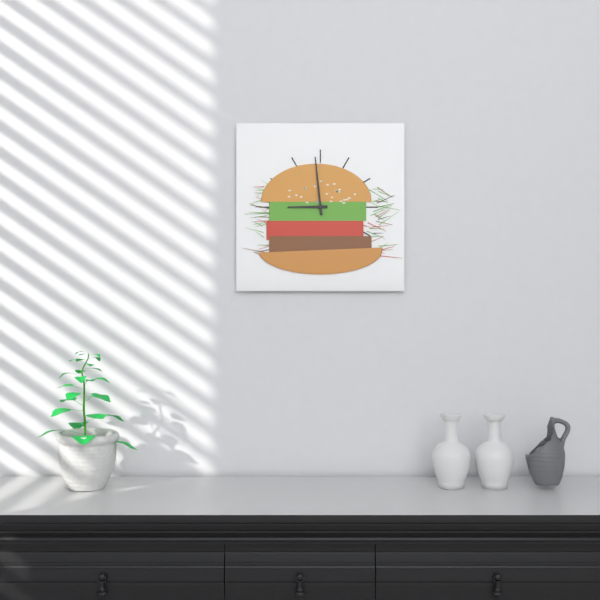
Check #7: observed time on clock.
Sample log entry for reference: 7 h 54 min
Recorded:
8 h 59 min
